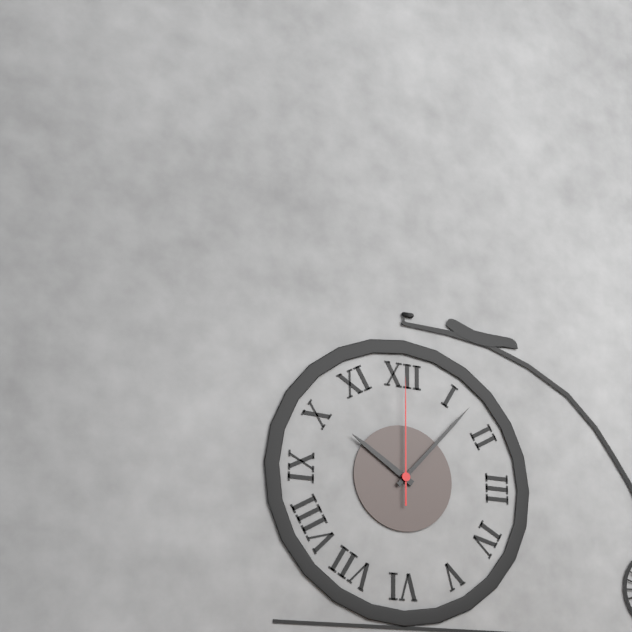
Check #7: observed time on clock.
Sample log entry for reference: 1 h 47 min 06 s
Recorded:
10 h 07 min 00 s
